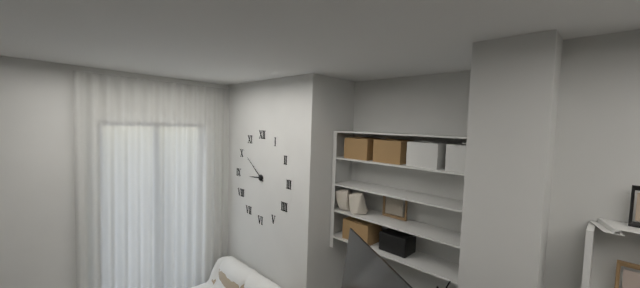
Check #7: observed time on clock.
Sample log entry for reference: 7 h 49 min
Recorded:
8 h 51 min
